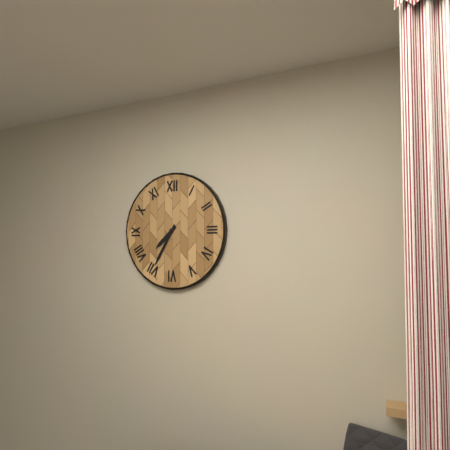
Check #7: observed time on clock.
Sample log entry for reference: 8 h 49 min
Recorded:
7 h 35 min
